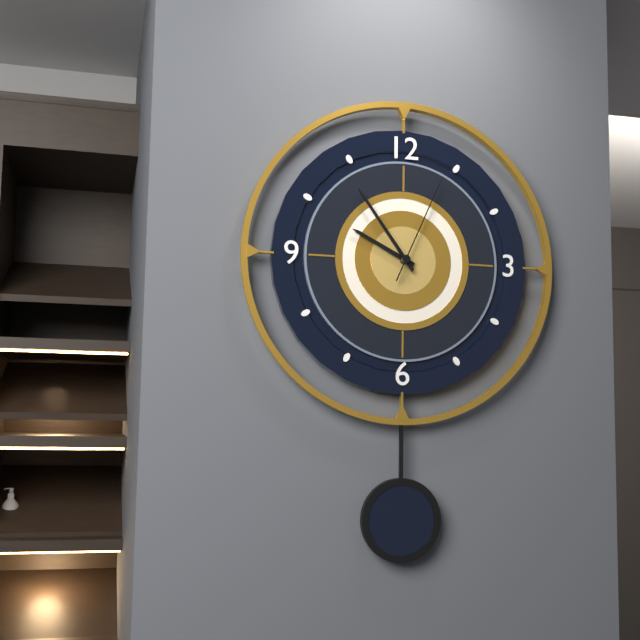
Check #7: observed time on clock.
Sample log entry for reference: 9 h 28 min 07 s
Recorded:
9 h 54 min 04 s
